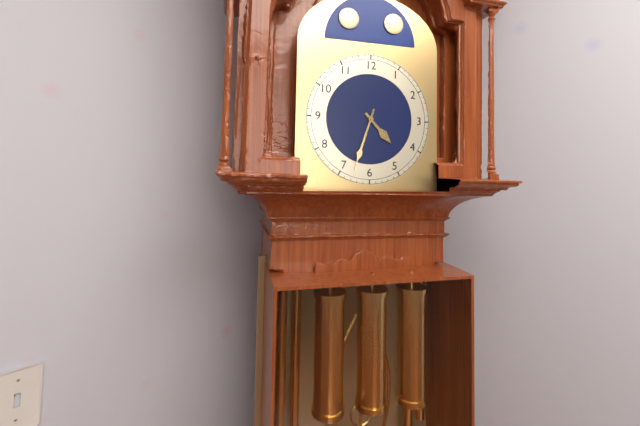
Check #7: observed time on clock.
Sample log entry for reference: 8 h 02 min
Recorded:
4 h 33 min
